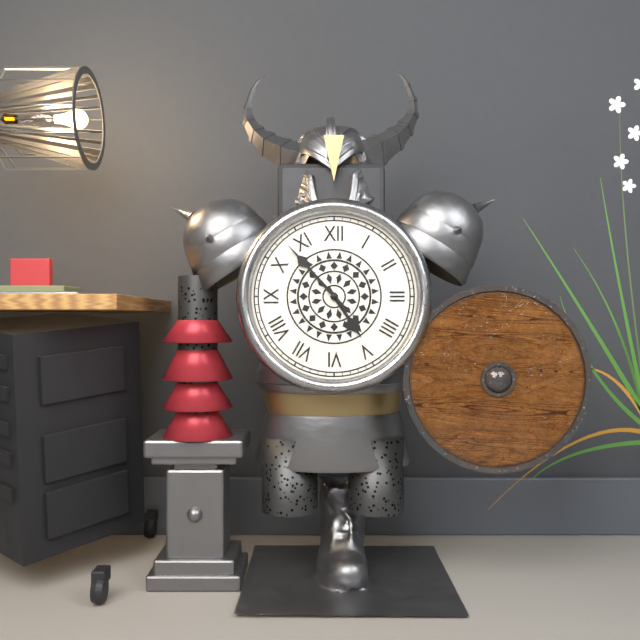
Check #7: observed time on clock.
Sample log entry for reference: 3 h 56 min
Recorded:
4 h 53 min
